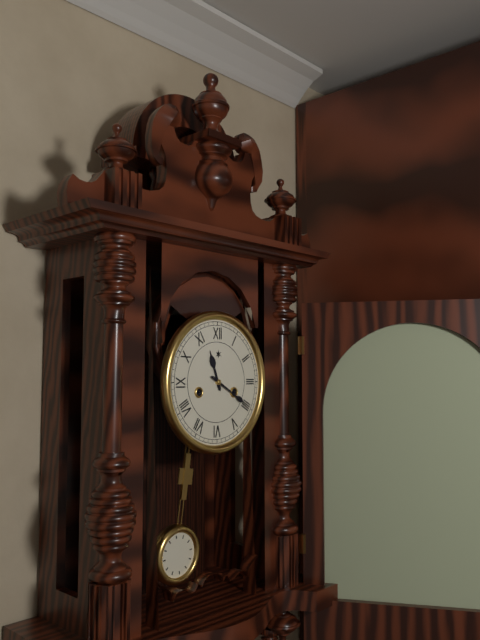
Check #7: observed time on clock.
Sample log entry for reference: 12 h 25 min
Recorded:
11 h 20 min
